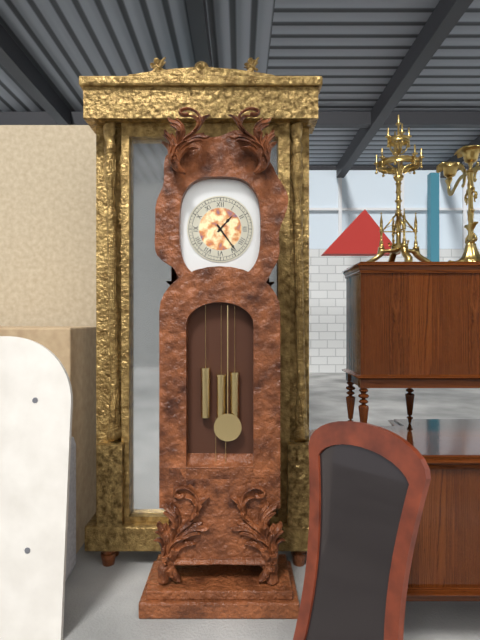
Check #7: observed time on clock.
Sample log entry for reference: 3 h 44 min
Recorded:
1 h 24 min
